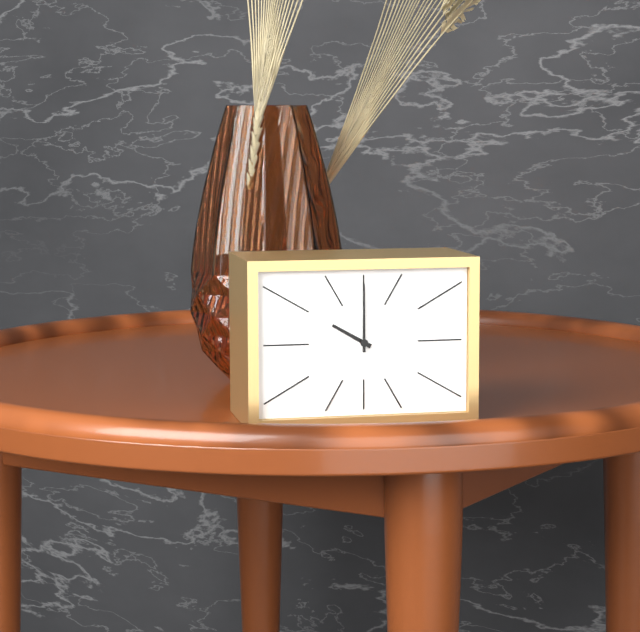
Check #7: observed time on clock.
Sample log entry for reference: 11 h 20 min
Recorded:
10 h 00 min
